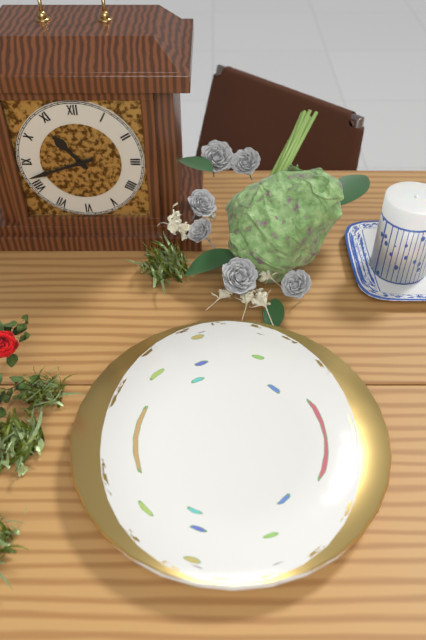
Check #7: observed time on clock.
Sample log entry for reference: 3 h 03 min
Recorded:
10 h 42 min
